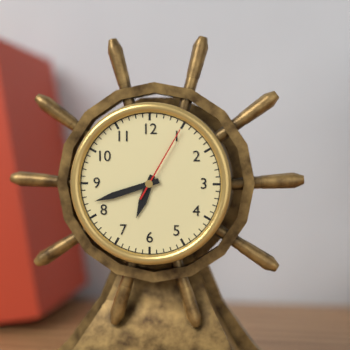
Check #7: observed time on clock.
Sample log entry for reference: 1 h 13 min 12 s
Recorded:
6 h 42 min 05 s
